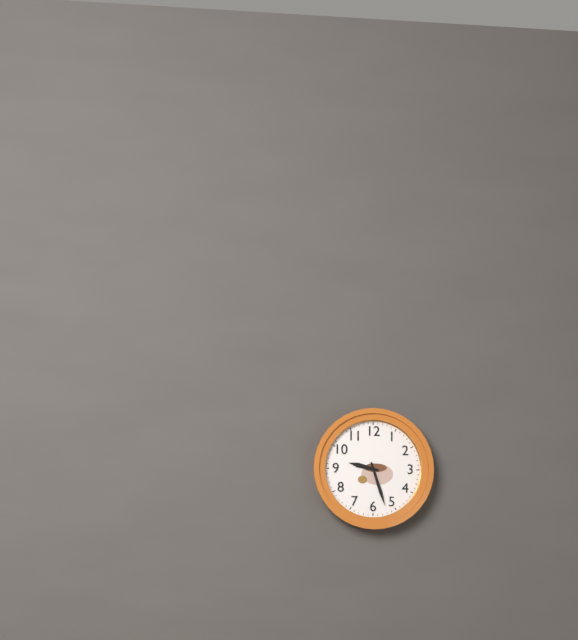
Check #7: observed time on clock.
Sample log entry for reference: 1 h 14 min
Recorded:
9 h 27 min
